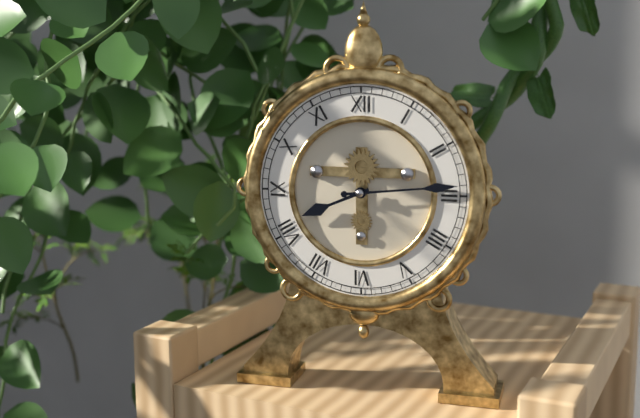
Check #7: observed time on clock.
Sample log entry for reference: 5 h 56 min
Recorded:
8 h 14 min
